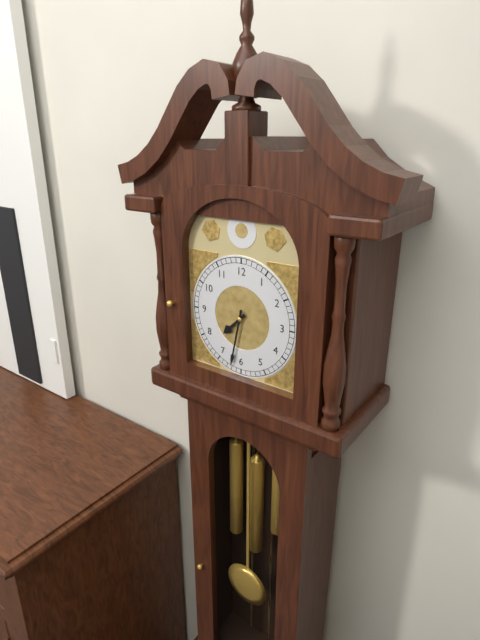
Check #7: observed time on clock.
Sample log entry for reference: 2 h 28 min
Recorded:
7 h 32 min
